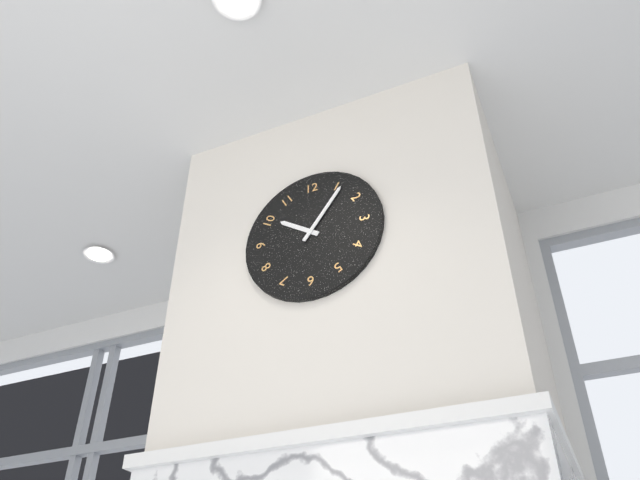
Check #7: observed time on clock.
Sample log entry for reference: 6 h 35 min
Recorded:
10 h 06 min
